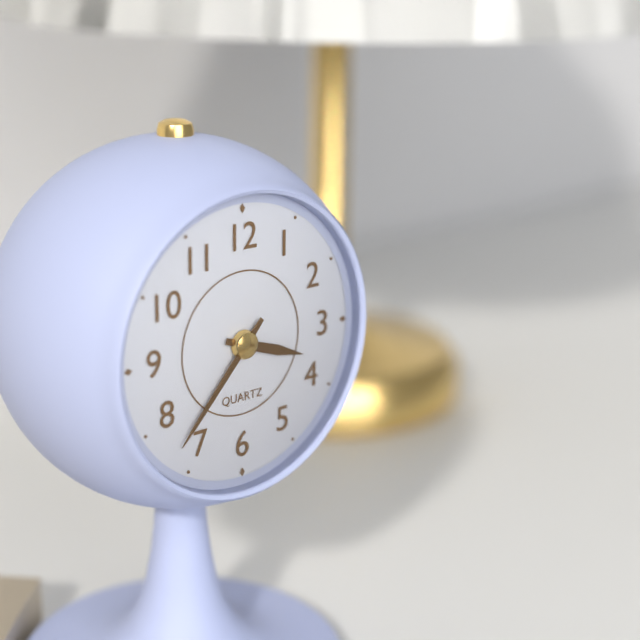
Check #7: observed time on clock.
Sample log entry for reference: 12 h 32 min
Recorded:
3 h 37 min
